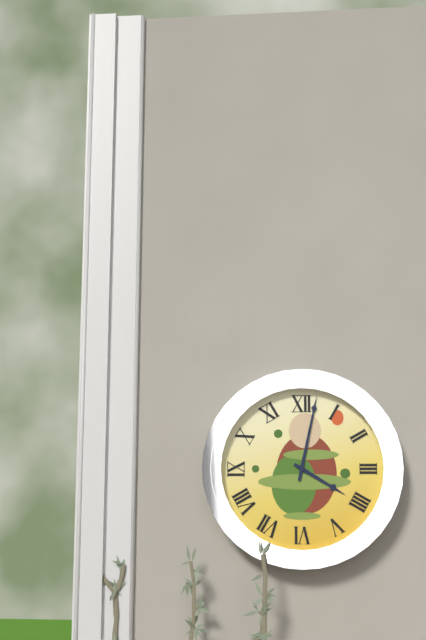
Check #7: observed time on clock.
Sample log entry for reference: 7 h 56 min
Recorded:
4 h 02 min
